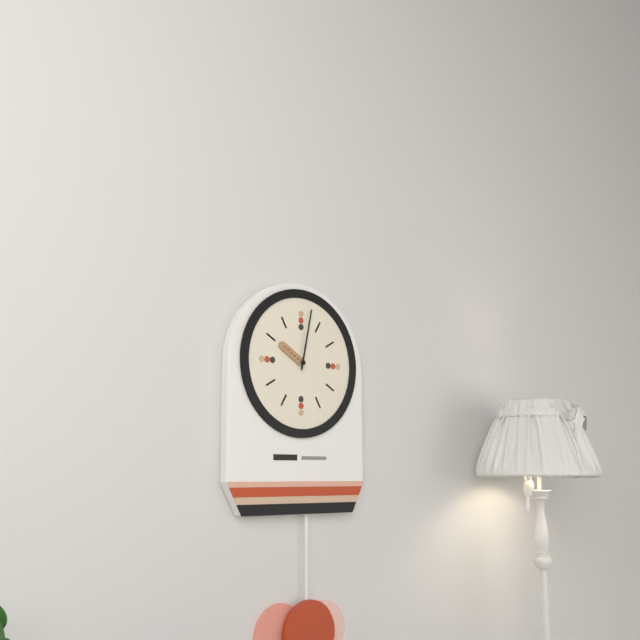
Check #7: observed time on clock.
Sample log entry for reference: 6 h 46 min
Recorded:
10 h 02 min
